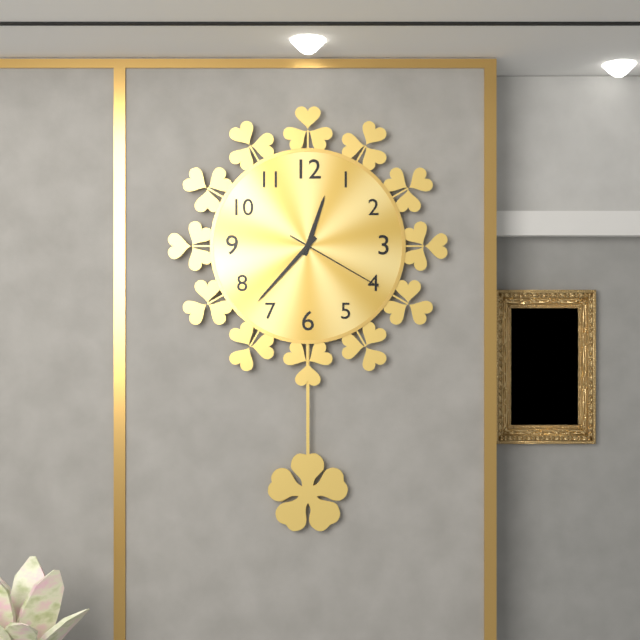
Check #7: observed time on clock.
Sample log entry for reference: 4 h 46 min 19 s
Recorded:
12 h 37 min 20 s
